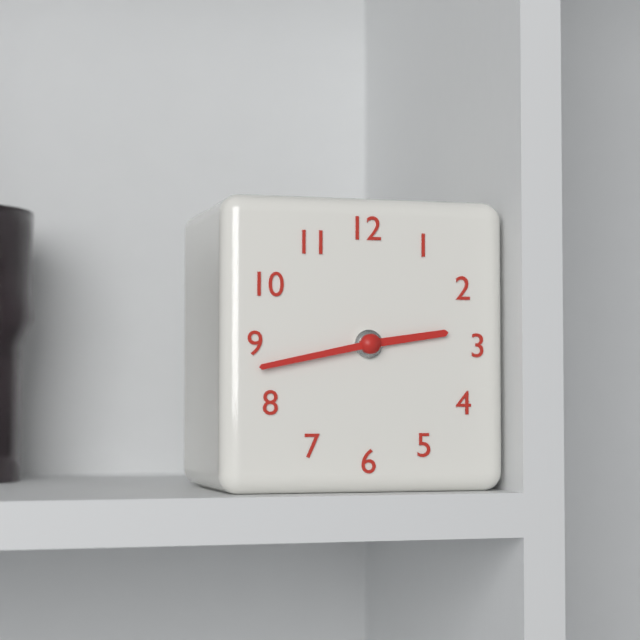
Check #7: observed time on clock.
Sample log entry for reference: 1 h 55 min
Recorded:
2 h 43 min
